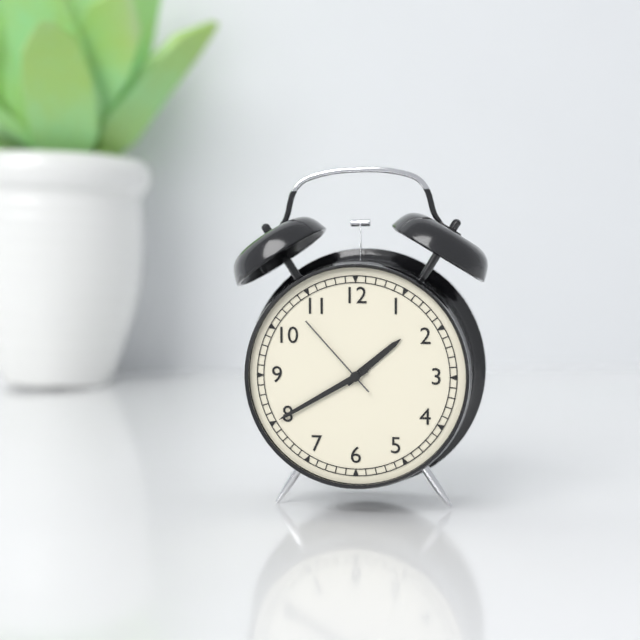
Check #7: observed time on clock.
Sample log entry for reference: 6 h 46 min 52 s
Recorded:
1 h 40 min 53 s
